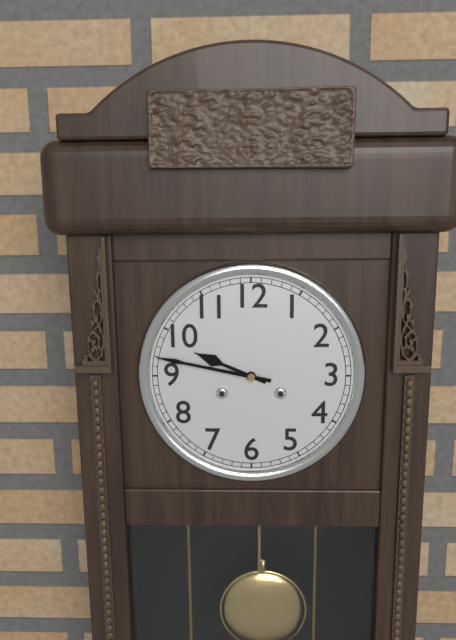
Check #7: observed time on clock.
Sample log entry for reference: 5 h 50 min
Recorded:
9 h 47 min
